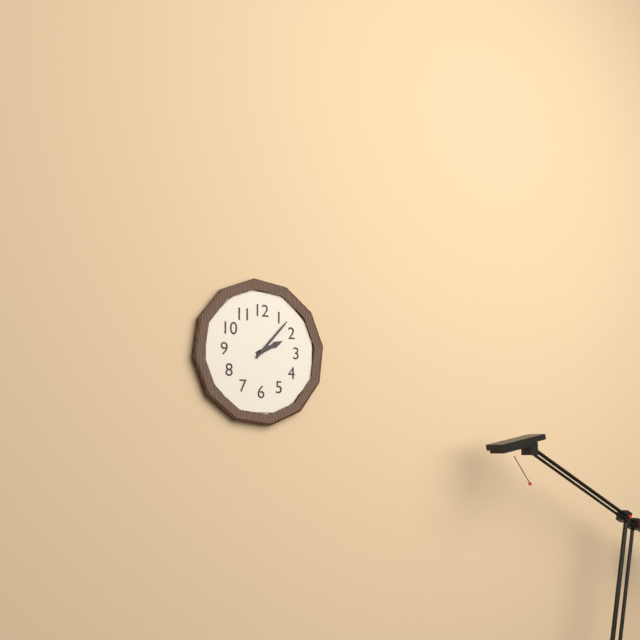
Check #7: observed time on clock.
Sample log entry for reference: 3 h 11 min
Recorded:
2 h 07 min
